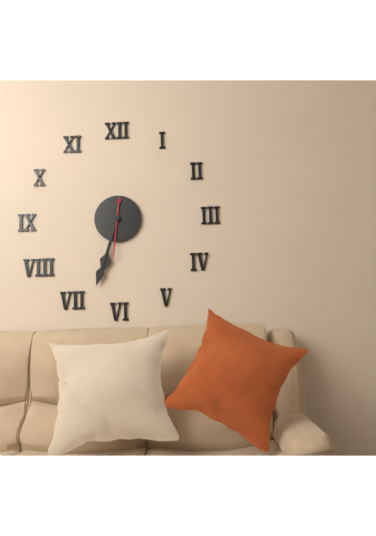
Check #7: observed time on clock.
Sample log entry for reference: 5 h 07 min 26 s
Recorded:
6 h 33 min 31 s
